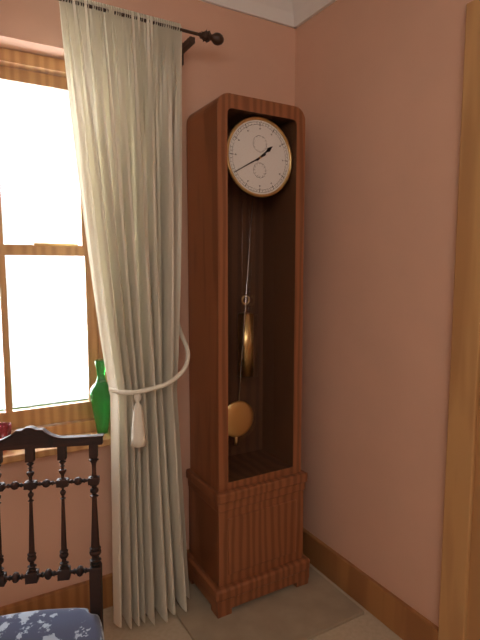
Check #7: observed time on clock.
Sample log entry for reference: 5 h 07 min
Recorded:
1 h 40 min
